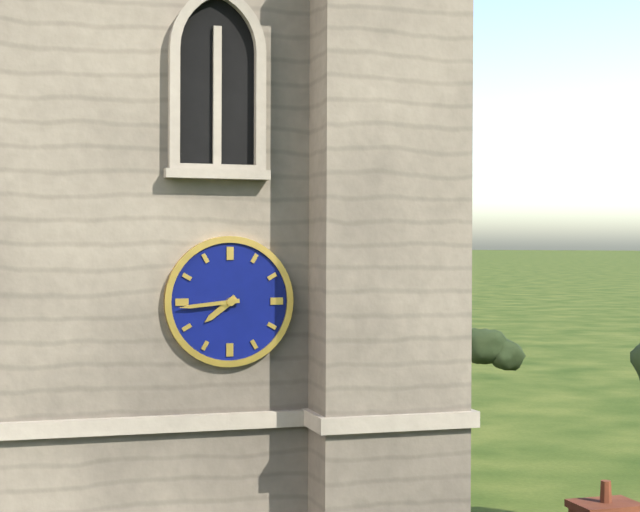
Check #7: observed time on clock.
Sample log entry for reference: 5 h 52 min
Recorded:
7 h 44 min
